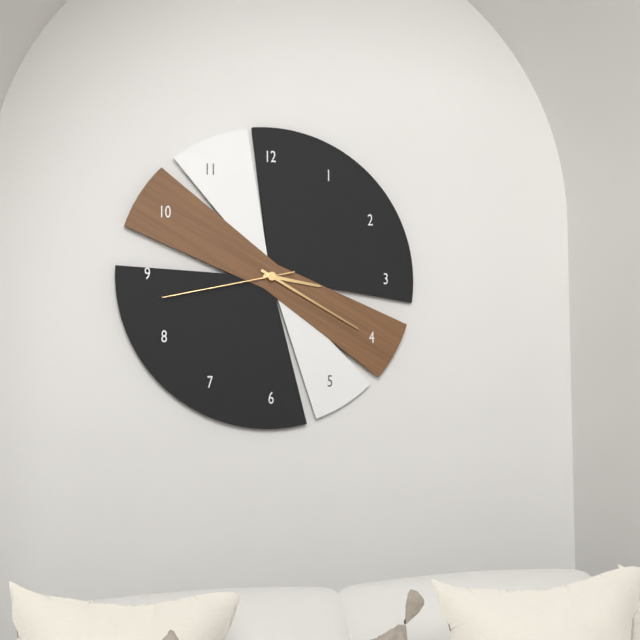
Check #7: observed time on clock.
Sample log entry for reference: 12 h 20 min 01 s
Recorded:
3 h 20 min 43 s
